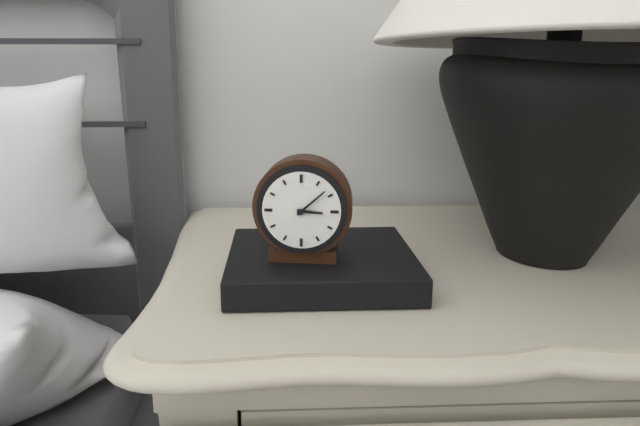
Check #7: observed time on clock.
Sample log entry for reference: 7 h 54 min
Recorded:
3 h 08 min
